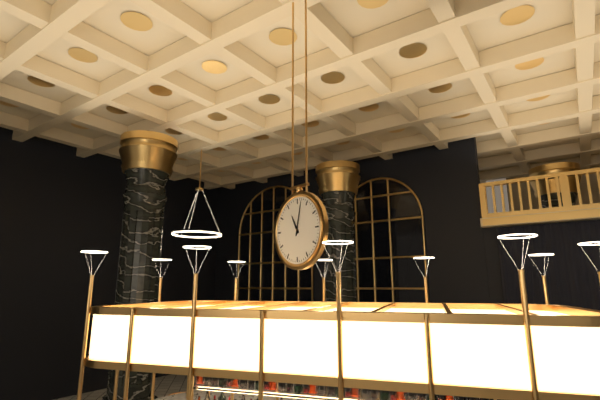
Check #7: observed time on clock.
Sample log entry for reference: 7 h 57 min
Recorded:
11 h 02 min
